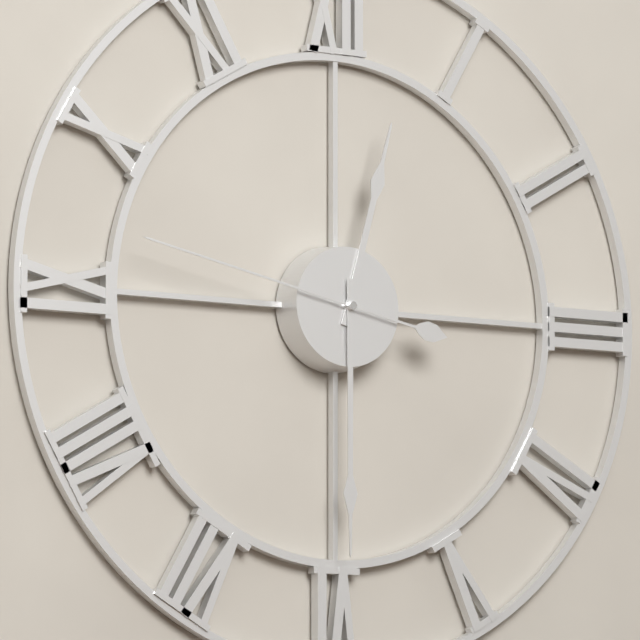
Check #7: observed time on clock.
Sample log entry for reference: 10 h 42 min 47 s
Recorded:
12 h 30 min 47 s
